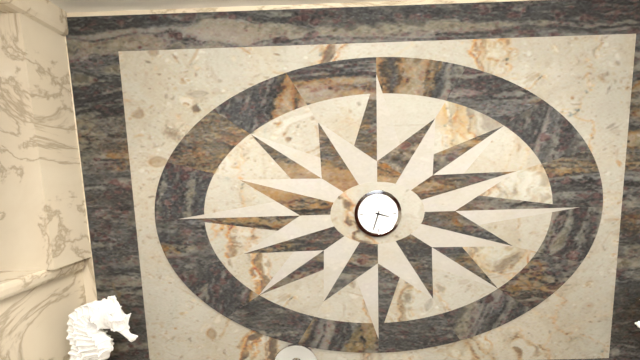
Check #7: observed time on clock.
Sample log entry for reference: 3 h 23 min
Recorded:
3 h 33 min
